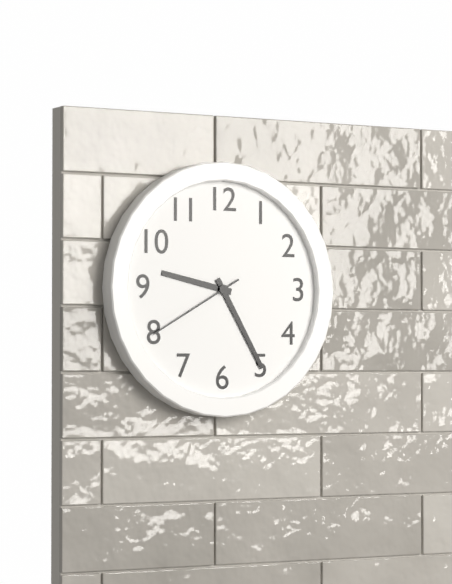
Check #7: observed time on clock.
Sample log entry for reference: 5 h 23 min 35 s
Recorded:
9 h 25 min 40 s
